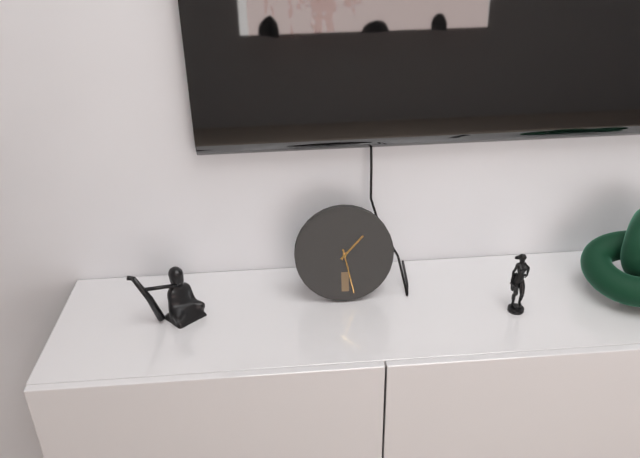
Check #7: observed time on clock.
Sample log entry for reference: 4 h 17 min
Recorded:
1 h 28 min
